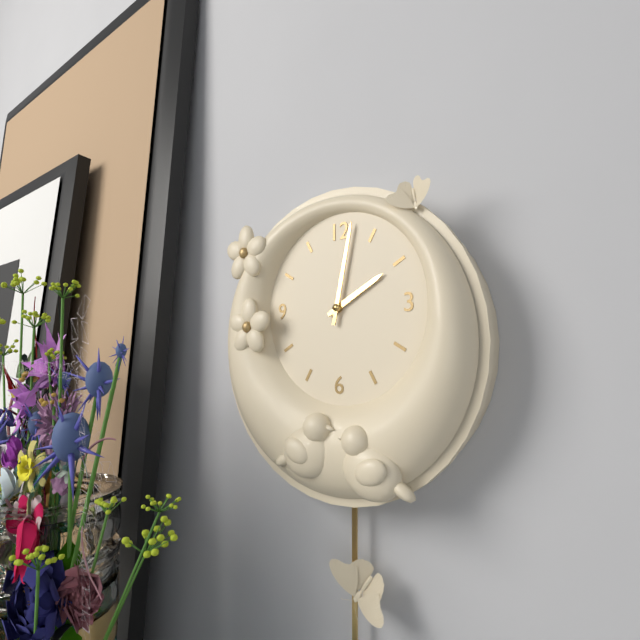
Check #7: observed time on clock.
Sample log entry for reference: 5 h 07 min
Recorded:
2 h 02 min
